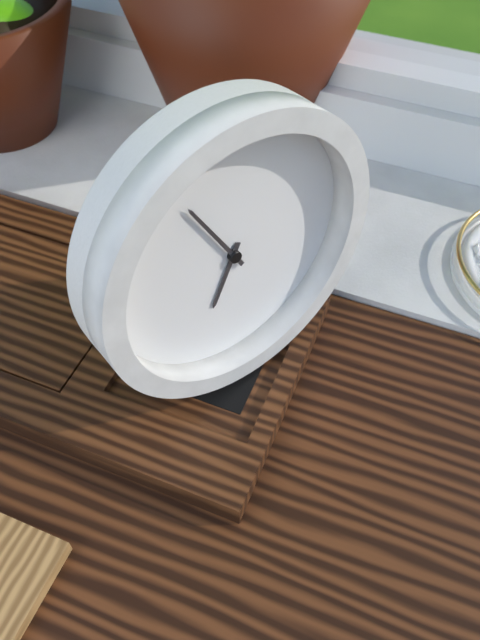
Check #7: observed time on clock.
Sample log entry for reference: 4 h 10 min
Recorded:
6 h 55 min
